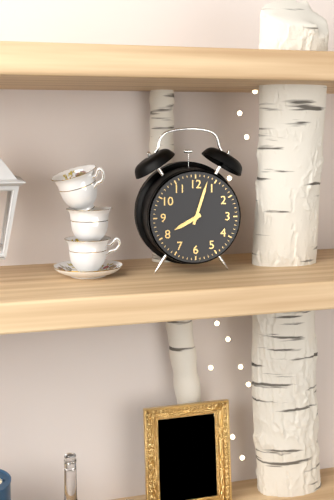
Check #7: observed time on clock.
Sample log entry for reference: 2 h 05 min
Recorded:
8 h 03 min
